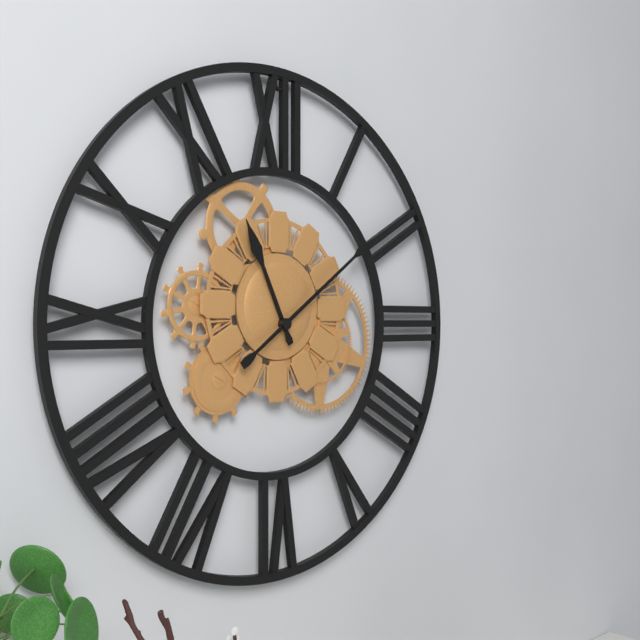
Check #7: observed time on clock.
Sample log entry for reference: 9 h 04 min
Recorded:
11 h 09 min
